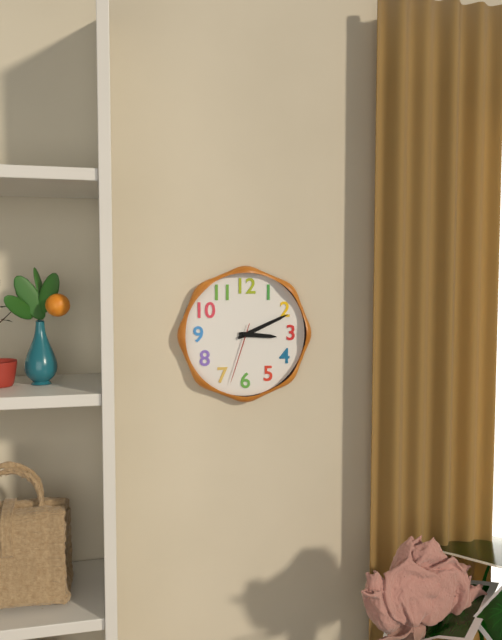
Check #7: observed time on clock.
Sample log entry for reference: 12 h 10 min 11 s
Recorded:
3 h 11 min 33 s
